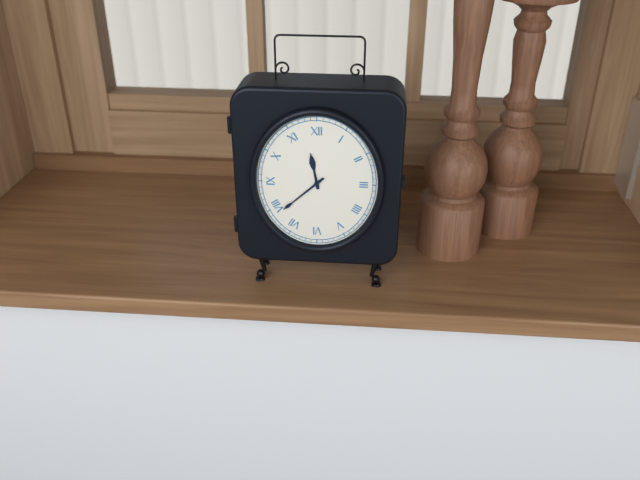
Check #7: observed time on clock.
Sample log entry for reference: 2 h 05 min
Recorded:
11 h 38 min
